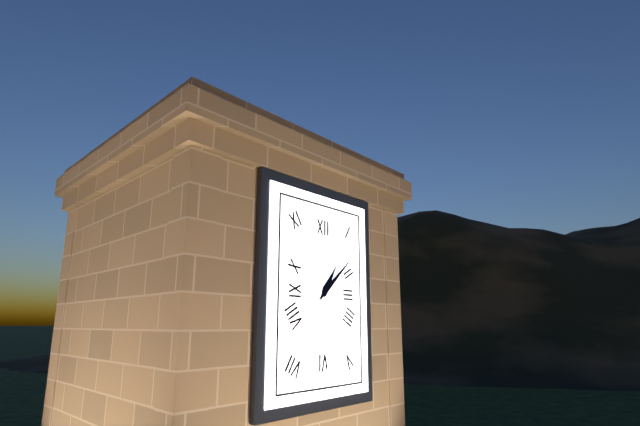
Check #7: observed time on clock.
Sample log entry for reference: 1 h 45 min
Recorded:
1 h 08 min
